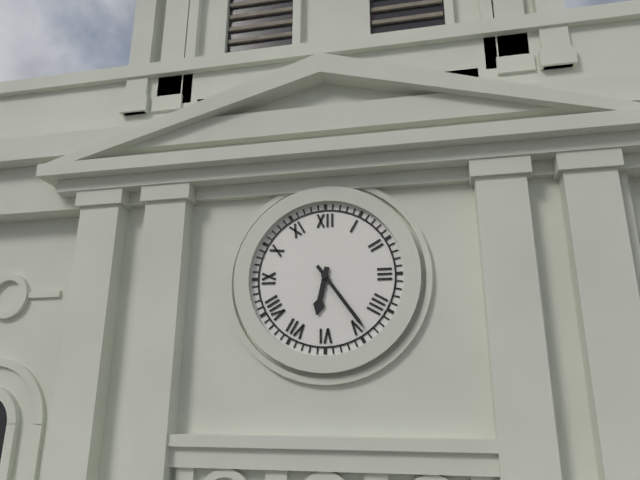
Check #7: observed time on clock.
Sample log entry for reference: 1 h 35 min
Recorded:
6 h 24 min
